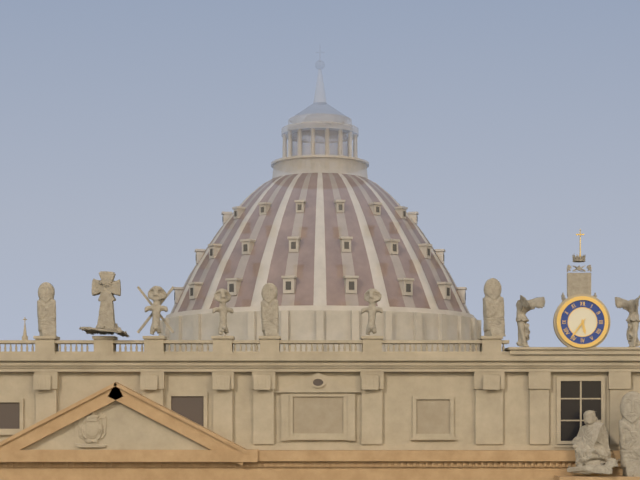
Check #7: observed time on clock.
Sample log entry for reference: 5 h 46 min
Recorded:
5 h 36 min
